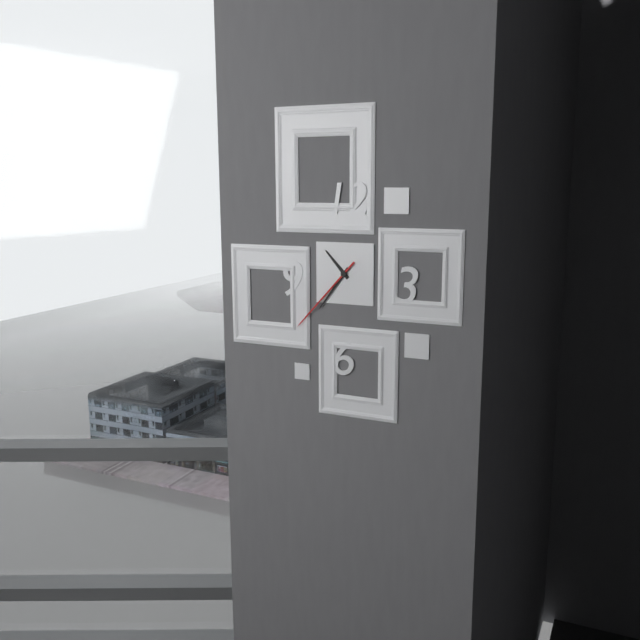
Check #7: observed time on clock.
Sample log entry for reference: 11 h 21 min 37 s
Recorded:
10 h 36 min 37 s
